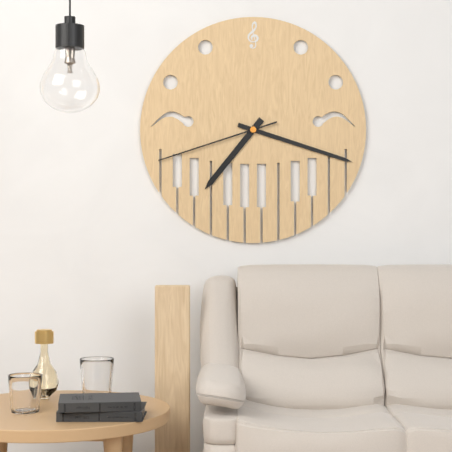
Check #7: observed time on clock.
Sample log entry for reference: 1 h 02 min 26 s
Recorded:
7 h 18 min 42 s
